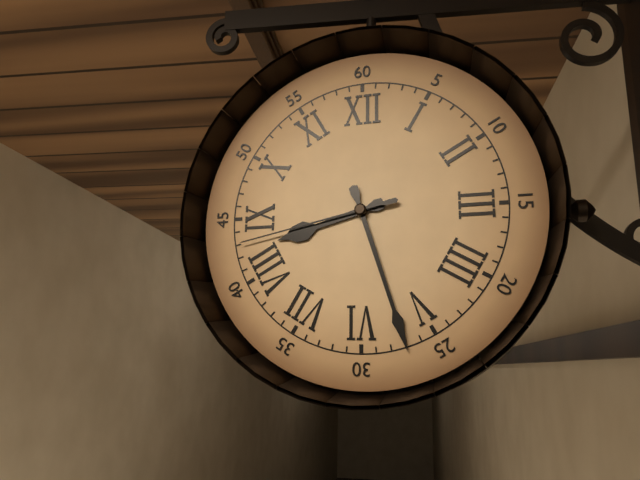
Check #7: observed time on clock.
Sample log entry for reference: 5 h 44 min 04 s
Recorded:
8 h 27 min 43 s
